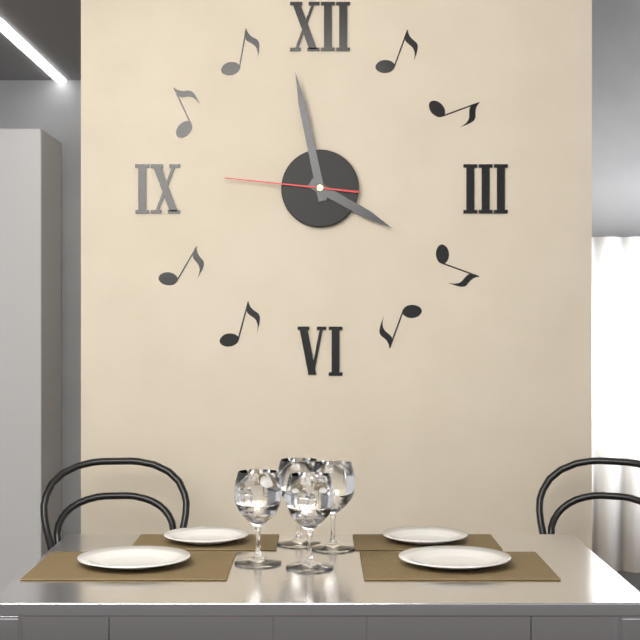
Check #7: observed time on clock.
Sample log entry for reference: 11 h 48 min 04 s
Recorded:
3 h 58 min 46 s
